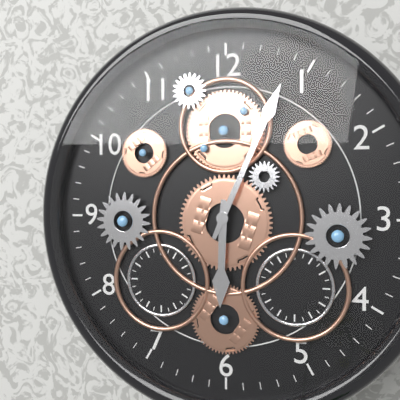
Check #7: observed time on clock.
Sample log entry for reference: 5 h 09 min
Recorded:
6 h 04 min
